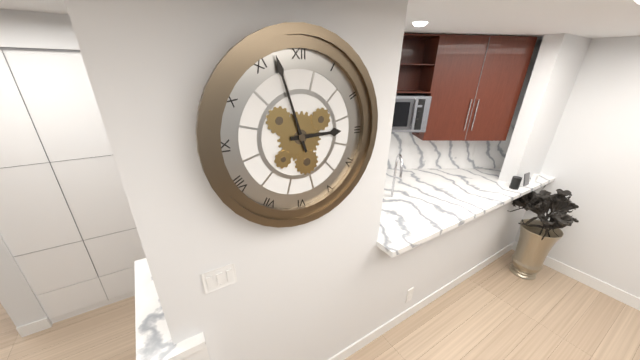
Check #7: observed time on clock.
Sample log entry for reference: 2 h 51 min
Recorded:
2 h 57 min
